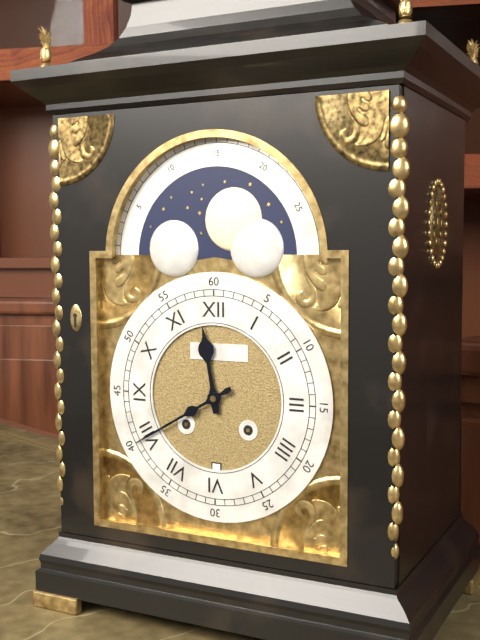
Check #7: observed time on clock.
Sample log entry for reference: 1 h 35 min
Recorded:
11 h 40 min
